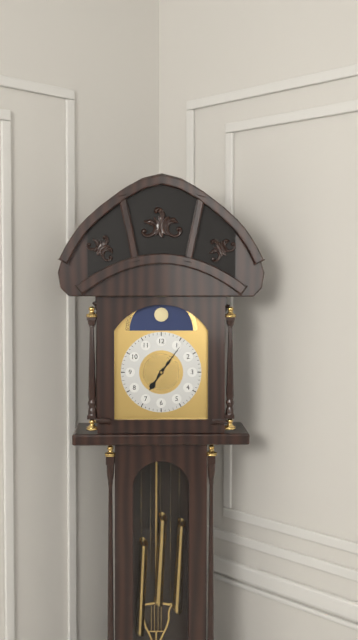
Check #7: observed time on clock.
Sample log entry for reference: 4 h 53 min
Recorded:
7 h 06 min
